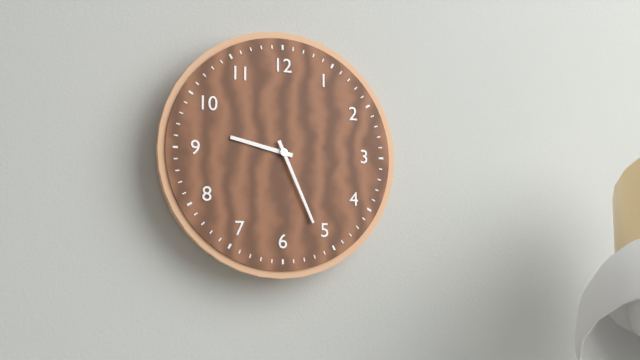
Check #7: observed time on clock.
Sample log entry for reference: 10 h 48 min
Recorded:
9 h 26 min
